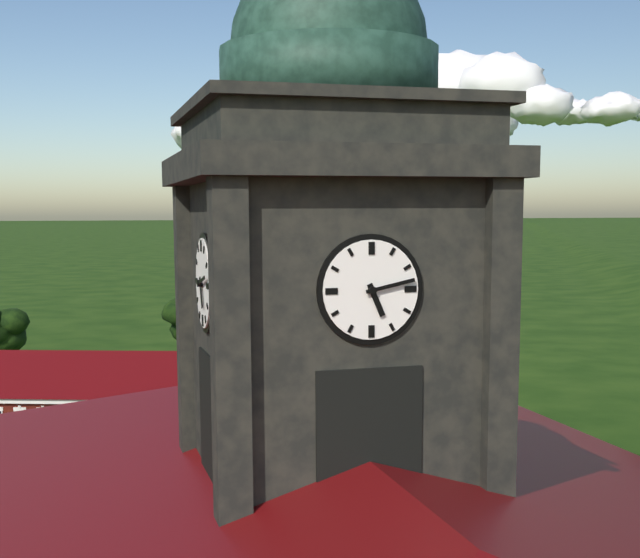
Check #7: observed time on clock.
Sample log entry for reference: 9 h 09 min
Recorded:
5 h 13 min
